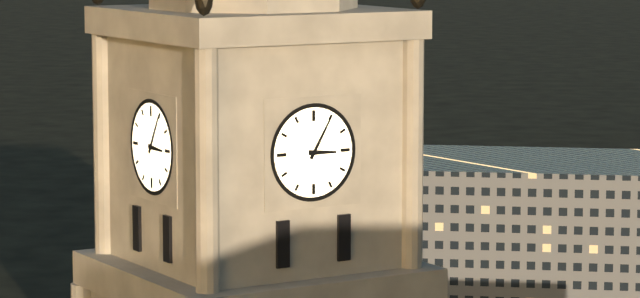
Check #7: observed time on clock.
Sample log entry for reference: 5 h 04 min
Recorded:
3 h 05 min
